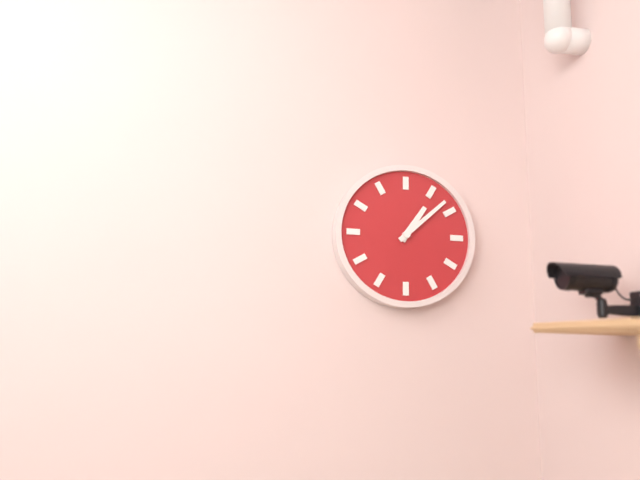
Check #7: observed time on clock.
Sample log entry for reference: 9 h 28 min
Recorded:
1 h 08 min
